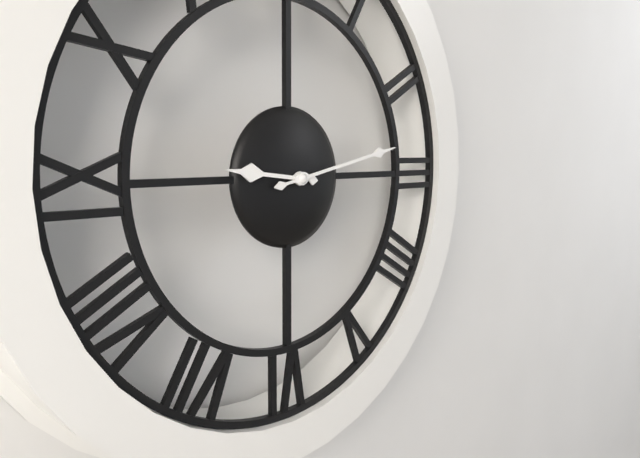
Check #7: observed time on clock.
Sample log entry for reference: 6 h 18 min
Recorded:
9 h 13 min
